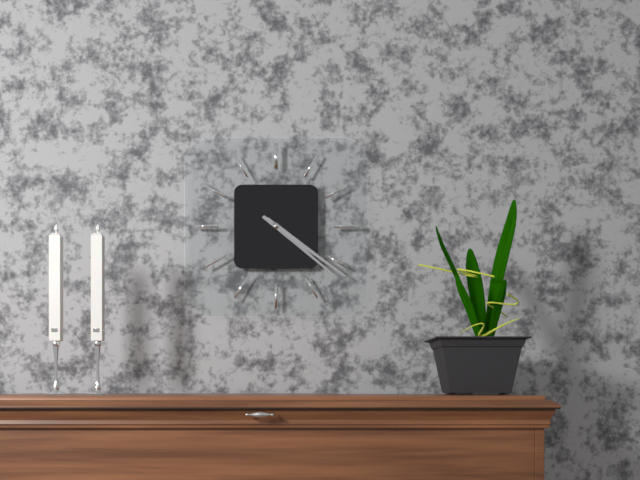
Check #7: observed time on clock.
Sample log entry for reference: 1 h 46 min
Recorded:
4 h 21 min
